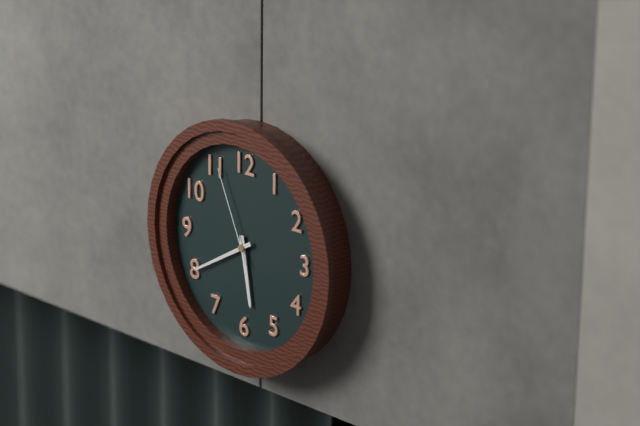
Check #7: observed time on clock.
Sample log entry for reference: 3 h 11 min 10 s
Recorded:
5 h 40 min 56 s
